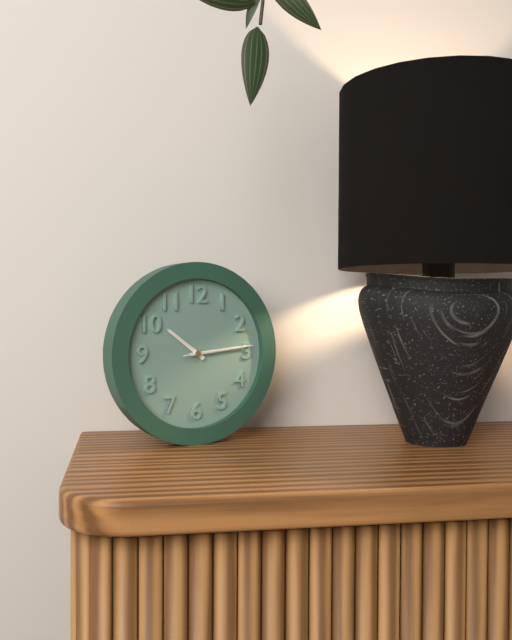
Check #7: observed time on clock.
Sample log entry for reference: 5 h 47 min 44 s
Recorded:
10 h 14 min 14 s
